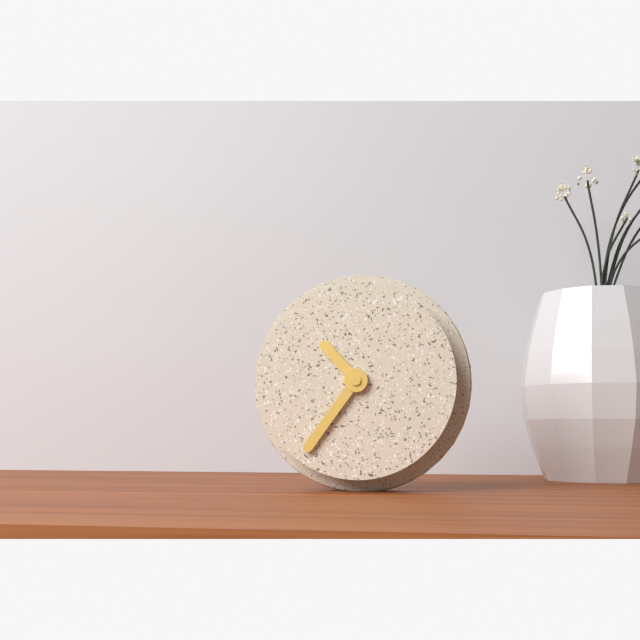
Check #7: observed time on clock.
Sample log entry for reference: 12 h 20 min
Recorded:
10 h 36 min
